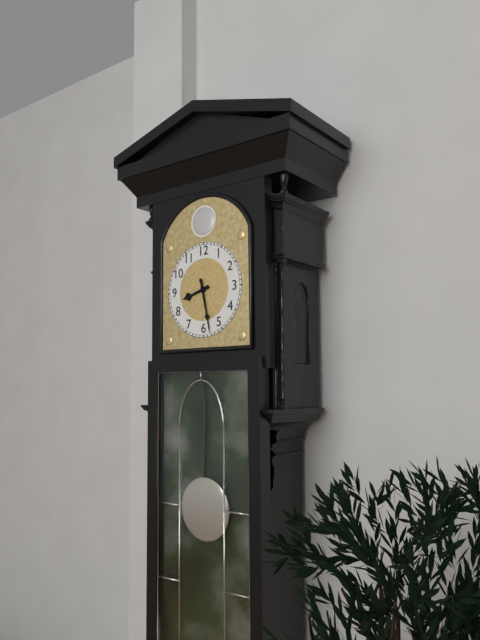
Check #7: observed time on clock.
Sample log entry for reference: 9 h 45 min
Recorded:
8 h 28 min
